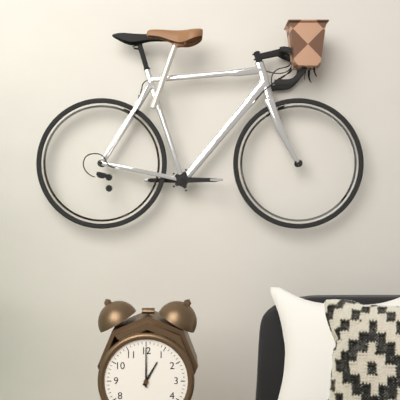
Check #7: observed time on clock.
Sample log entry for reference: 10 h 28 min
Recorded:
1 h 00 min
